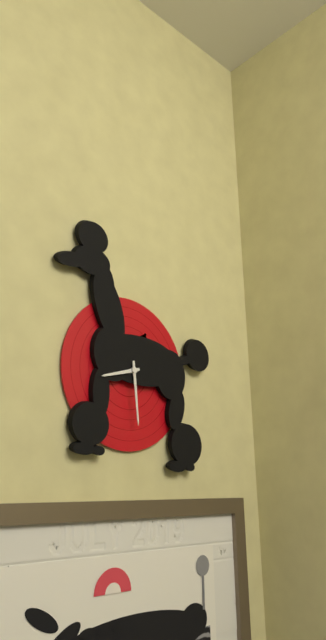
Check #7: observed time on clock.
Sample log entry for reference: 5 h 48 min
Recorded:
8 h 29 min
